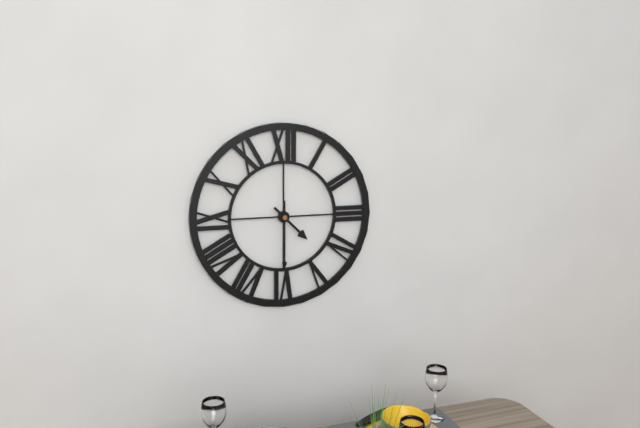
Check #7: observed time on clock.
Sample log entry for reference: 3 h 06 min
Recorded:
4 h 30 min
